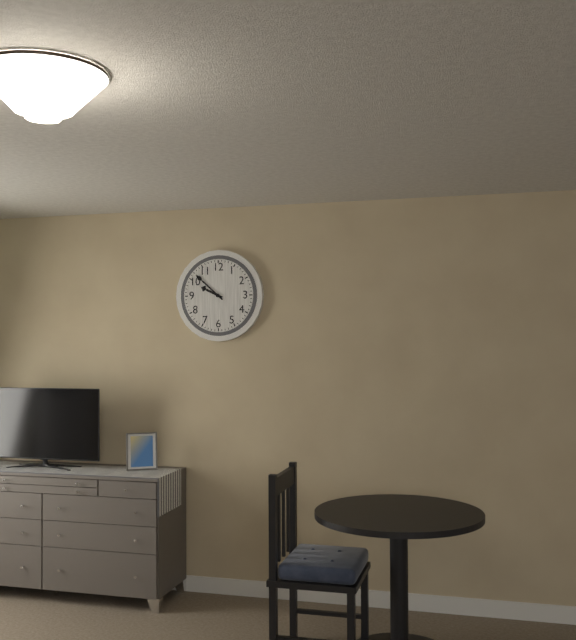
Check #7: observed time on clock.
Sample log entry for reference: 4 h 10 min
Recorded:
9 h 52 min
